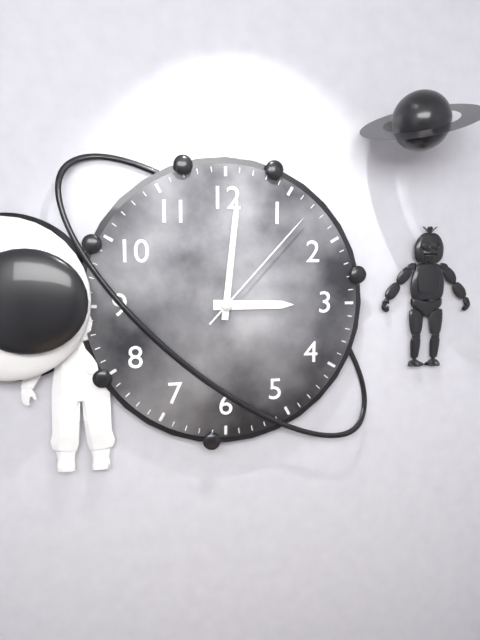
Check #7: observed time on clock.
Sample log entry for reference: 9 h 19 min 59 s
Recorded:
3 h 01 min 07 s
